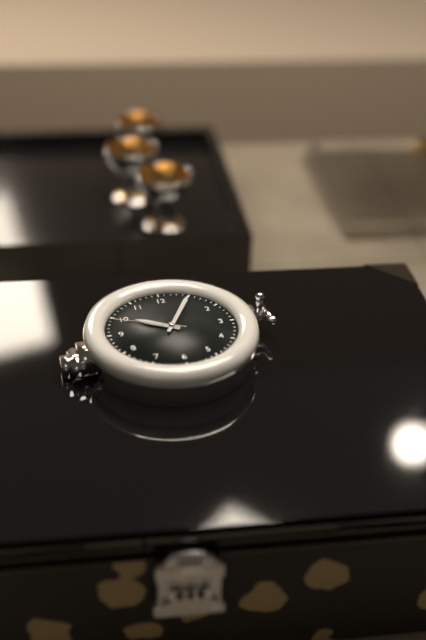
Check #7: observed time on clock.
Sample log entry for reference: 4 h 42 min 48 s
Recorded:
10 h 05 min 49 s
